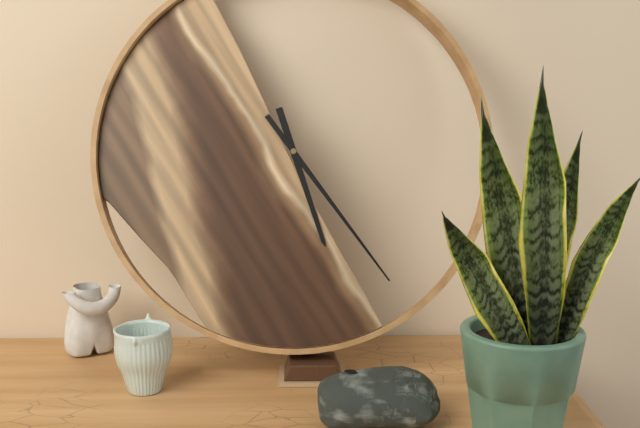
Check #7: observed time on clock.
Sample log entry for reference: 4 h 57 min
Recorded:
5 h 24 min
